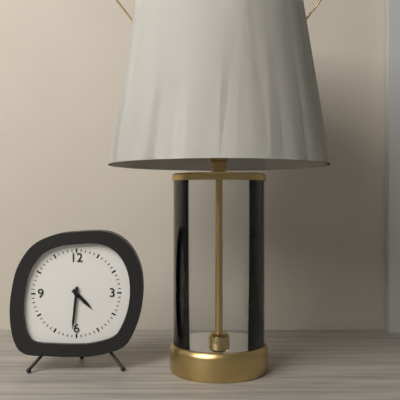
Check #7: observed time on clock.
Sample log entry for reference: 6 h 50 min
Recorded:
4 h 31 min
